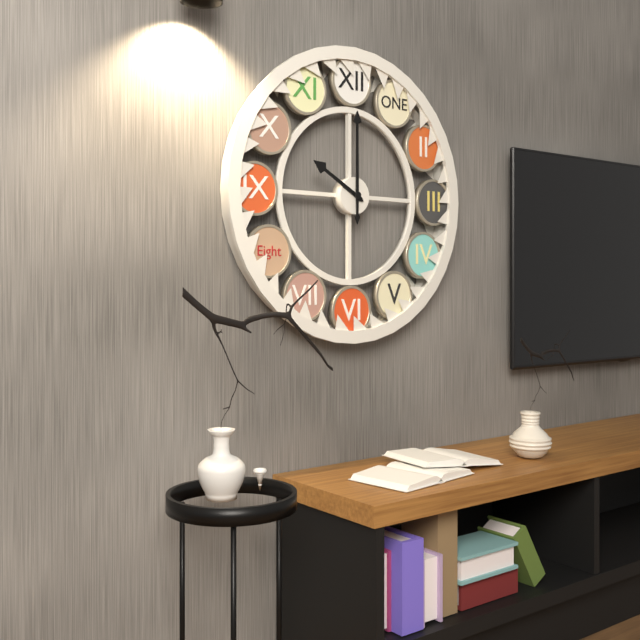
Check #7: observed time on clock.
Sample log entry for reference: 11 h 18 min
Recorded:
10 h 00 min
